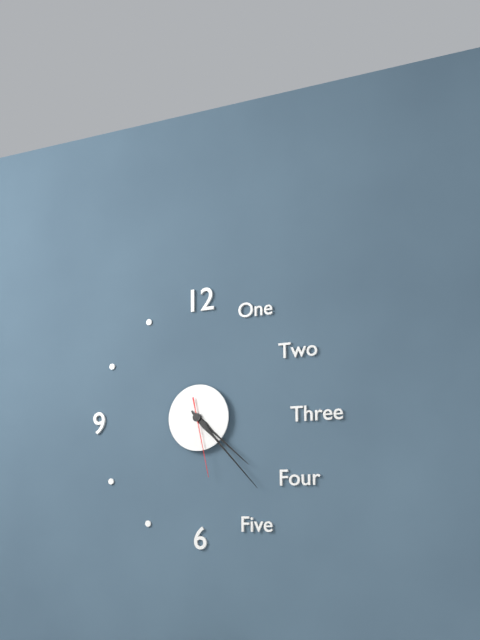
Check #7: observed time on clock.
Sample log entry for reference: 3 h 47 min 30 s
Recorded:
4 h 23 min 28 s
